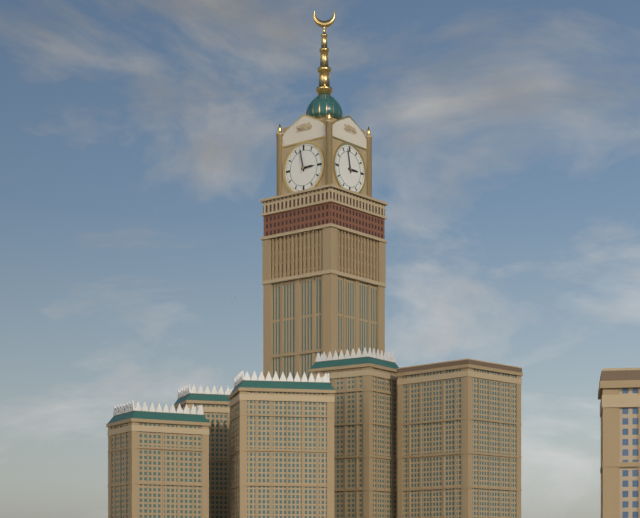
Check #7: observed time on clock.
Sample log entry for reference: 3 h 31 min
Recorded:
2 h 58 min
